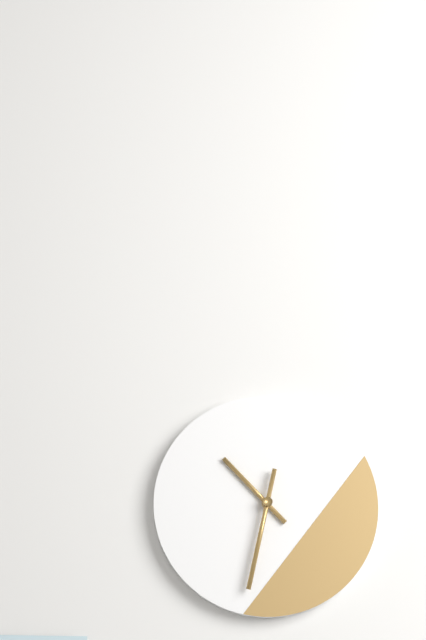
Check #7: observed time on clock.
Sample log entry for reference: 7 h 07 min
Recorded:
10 h 32 min
